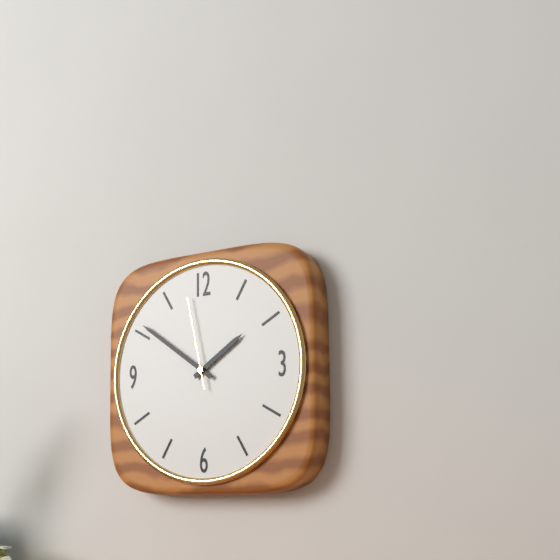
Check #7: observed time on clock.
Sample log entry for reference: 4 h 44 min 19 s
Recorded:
1 h 51 min 58 s
